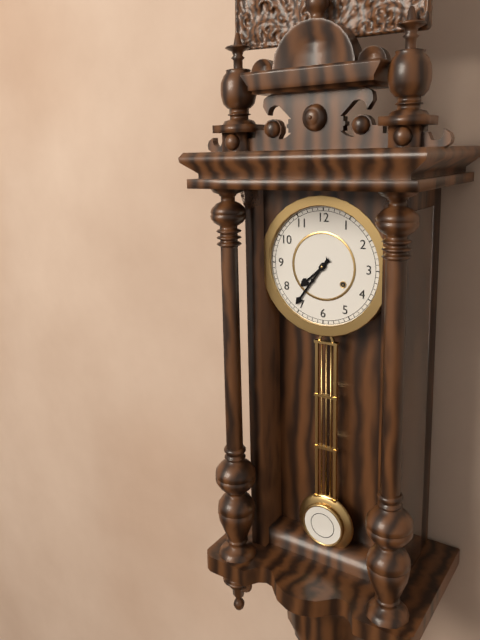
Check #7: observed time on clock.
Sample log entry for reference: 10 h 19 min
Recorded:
7 h 36 min
